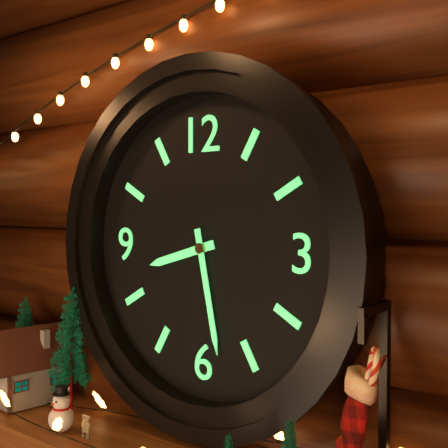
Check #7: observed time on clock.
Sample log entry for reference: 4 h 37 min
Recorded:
8 h 28 min
